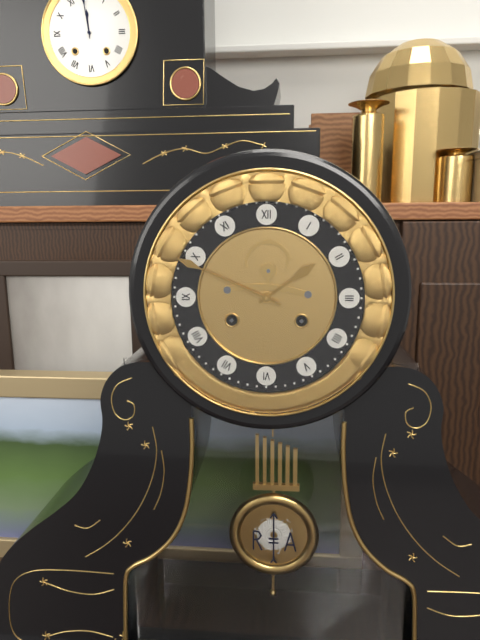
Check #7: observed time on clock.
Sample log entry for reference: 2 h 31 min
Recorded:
1 h 49 min
